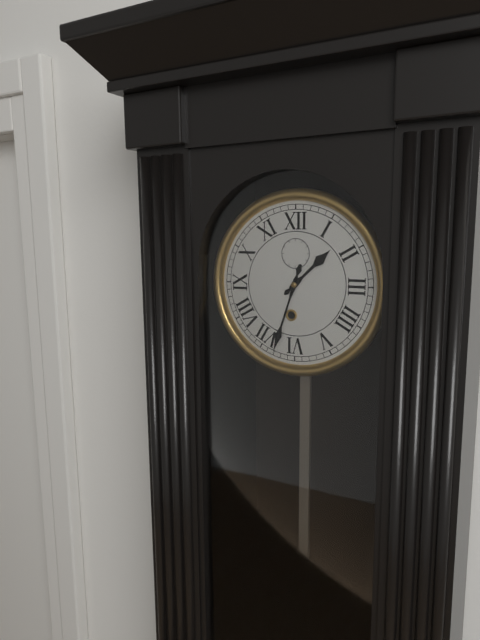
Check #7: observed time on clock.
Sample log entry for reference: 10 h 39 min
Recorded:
1 h 33 min
